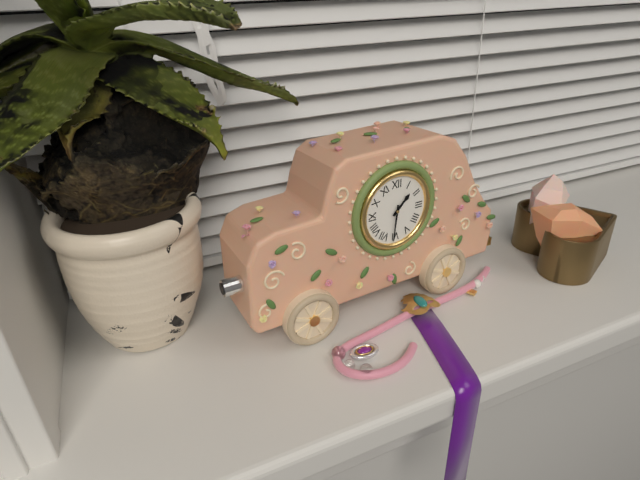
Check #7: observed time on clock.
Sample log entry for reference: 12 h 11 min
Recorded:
1 h 31 min
